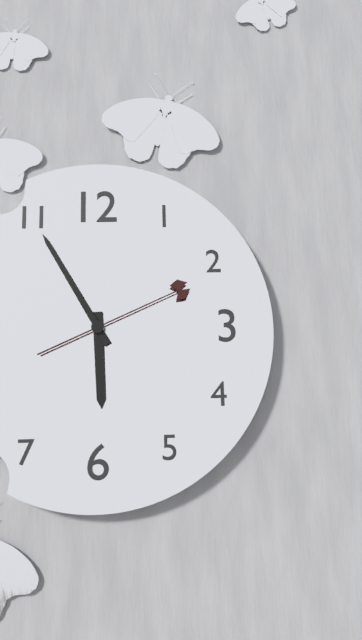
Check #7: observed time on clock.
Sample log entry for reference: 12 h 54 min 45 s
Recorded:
5 h 55 min 11 s
